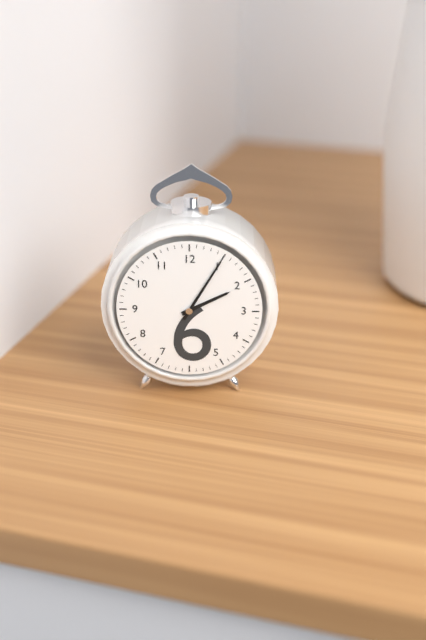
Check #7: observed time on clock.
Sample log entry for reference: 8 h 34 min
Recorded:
2 h 05 min
